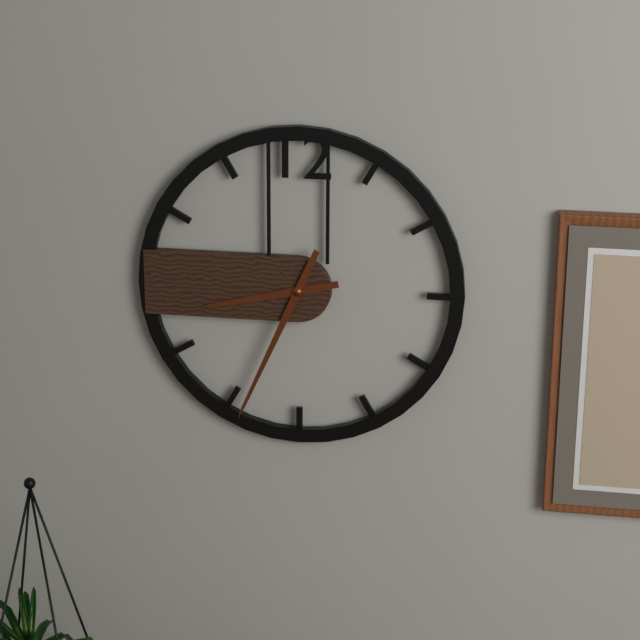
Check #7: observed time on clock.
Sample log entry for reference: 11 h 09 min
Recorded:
8 h 34 min
